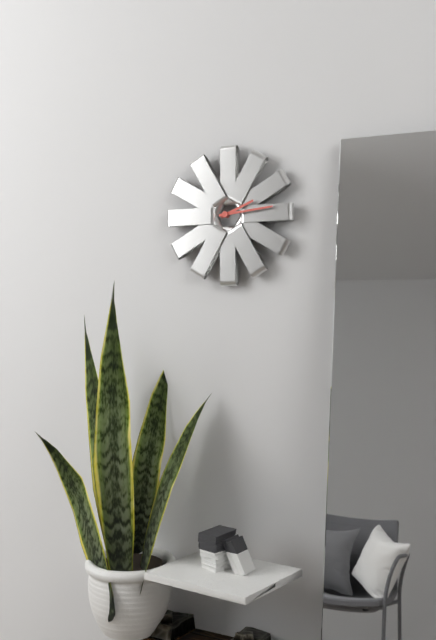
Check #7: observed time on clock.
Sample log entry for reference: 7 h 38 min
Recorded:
2 h 14 min
